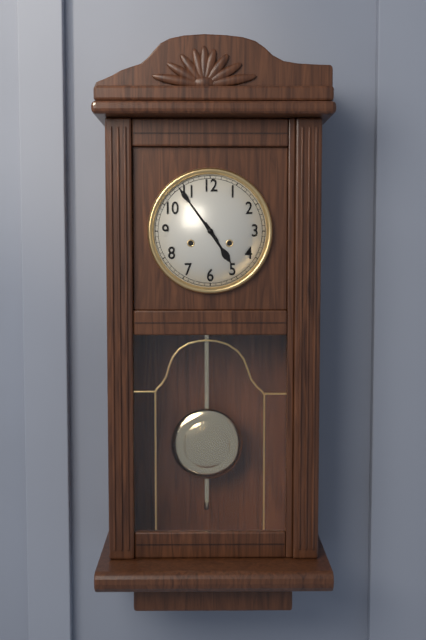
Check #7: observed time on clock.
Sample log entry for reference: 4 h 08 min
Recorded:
4 h 54 min
